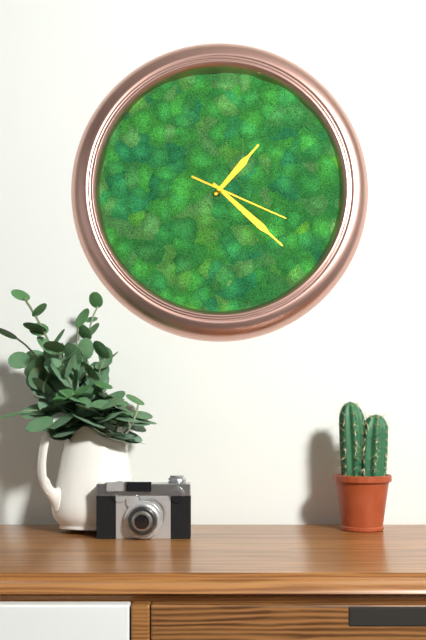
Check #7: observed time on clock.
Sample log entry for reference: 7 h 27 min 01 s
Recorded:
1 h 22 min 19 s
